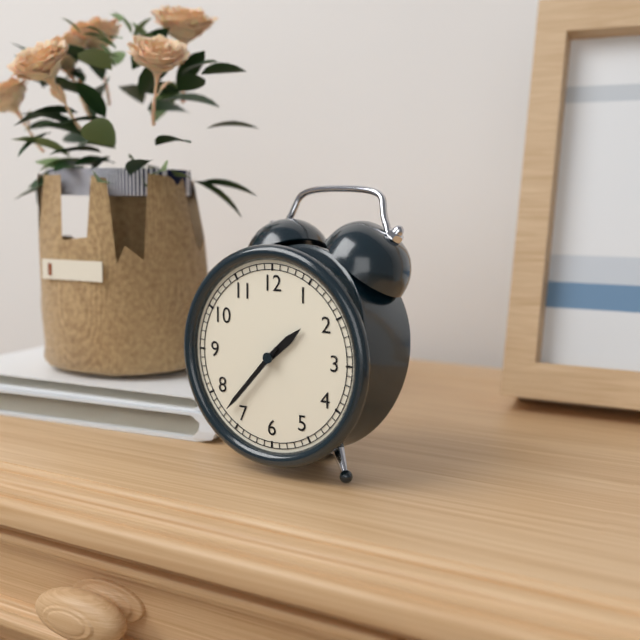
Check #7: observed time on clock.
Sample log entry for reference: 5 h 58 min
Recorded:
1 h 37 min
